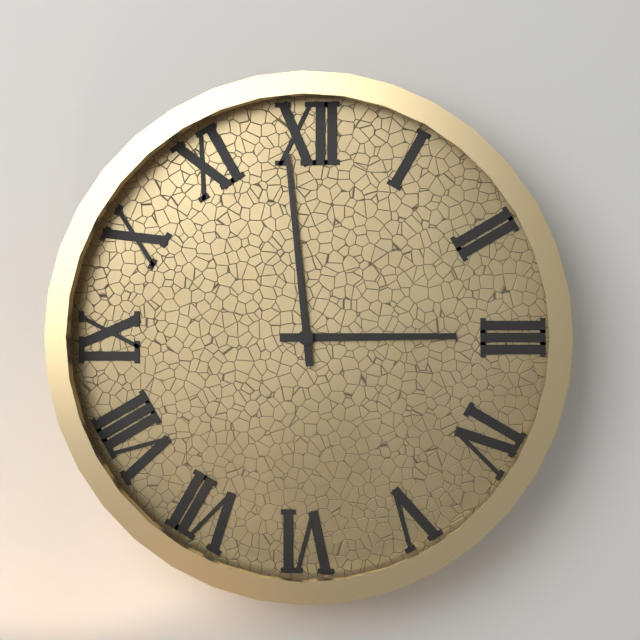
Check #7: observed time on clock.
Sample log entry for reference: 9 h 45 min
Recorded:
2 h 59 min
